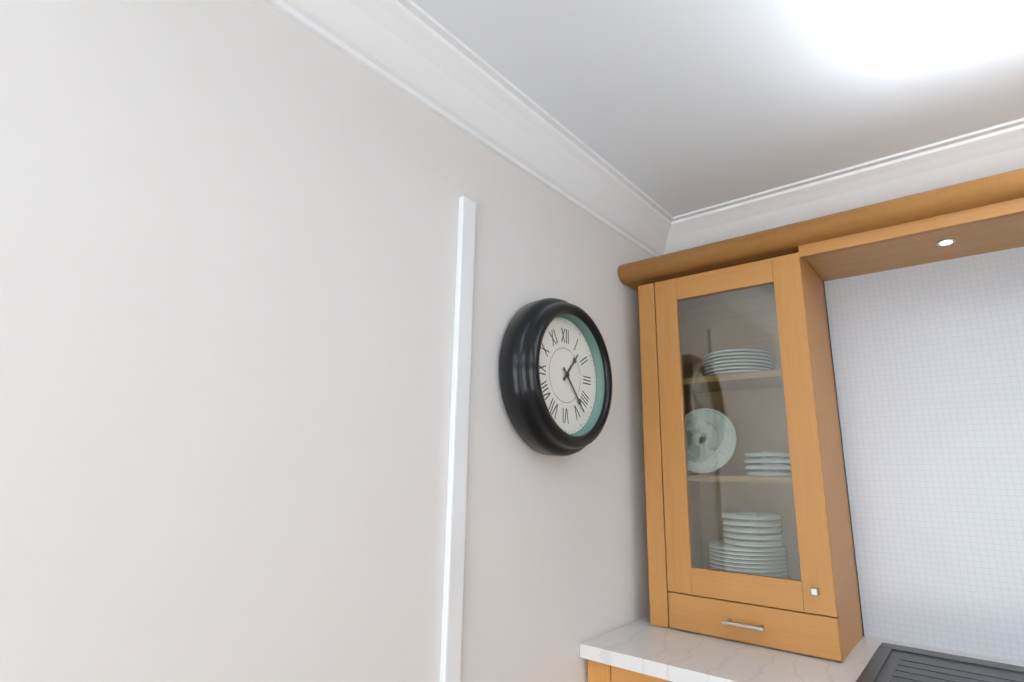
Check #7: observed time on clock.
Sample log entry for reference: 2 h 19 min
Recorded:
1 h 23 min
